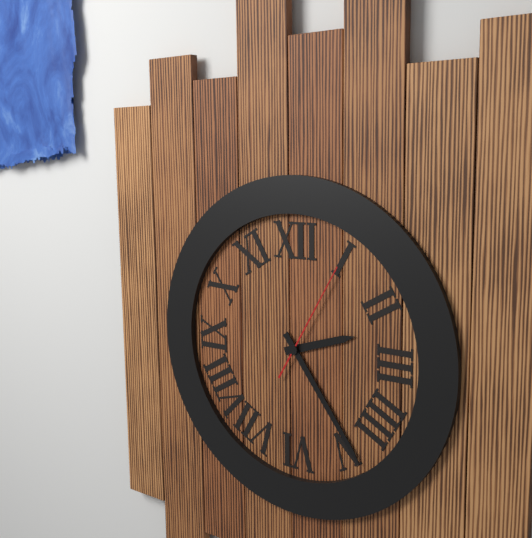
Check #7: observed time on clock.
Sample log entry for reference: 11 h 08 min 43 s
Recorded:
2 h 24 min 05 s
